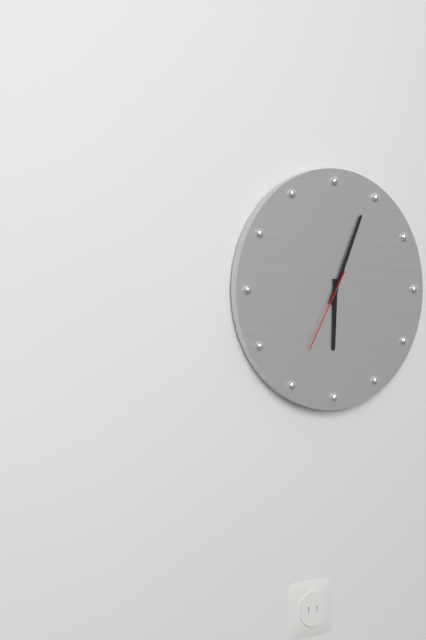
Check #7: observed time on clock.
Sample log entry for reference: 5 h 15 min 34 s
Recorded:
6 h 04 min 35 s
